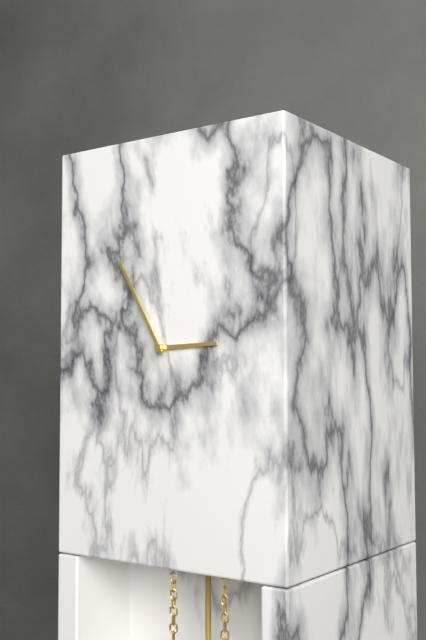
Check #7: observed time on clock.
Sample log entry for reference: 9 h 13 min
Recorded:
2 h 55 min
